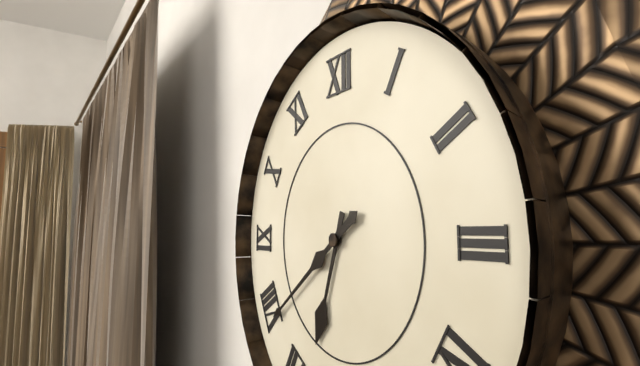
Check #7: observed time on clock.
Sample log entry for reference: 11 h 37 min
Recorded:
6 h 39 min
